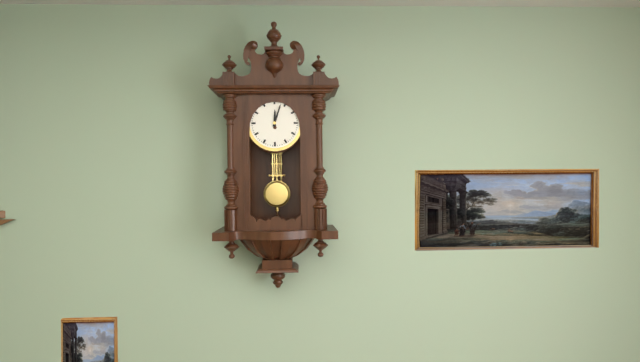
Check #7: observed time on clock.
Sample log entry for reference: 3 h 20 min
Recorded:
12 h 03 min
